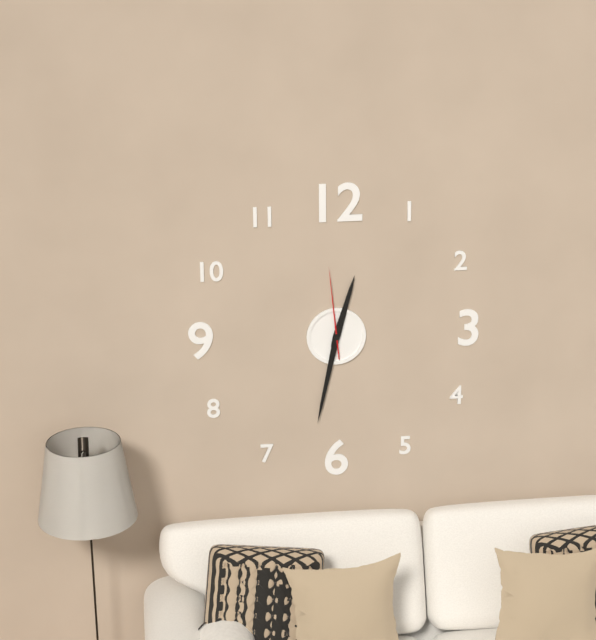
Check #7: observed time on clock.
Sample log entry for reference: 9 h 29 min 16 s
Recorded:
12 h 32 min 59 s
